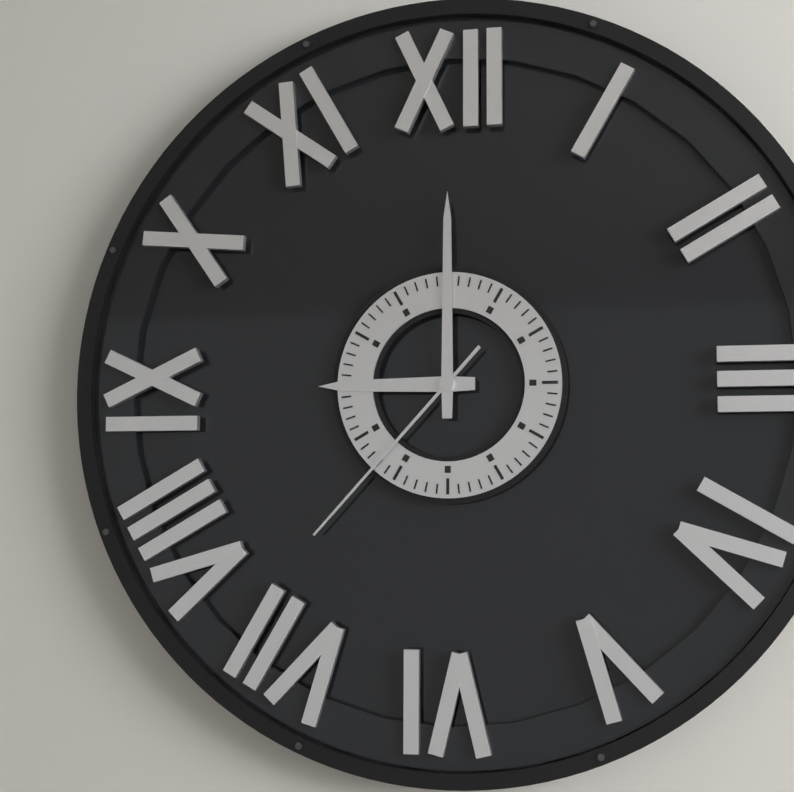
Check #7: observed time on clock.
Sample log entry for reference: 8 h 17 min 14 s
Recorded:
9 h 00 min 37 s
